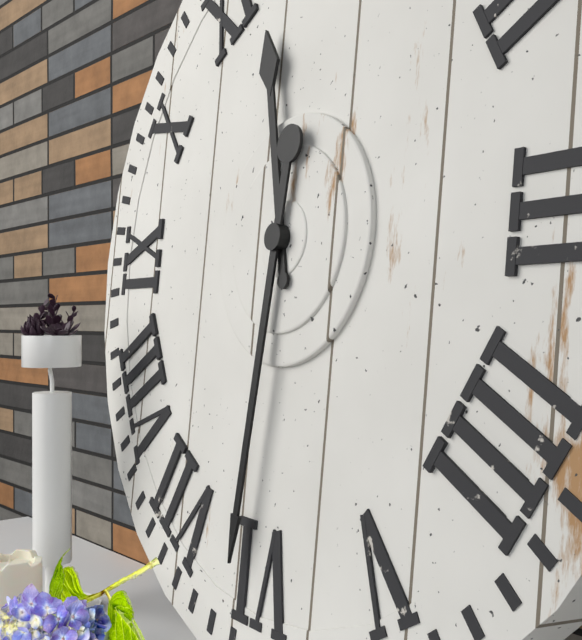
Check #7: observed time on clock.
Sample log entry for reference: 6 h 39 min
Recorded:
11 h 31 min
